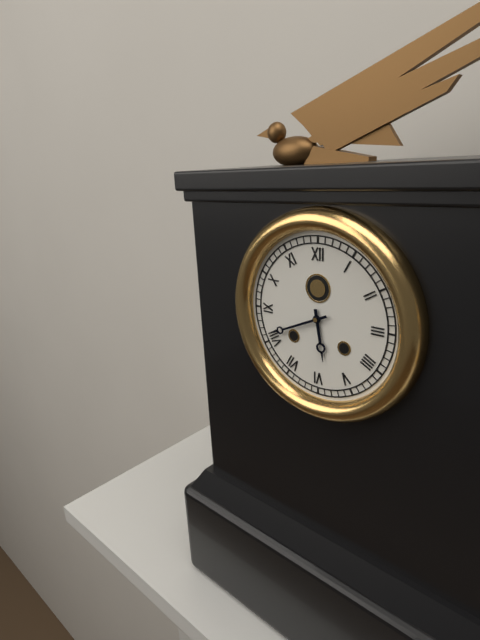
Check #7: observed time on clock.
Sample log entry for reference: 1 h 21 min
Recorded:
5 h 41 min
